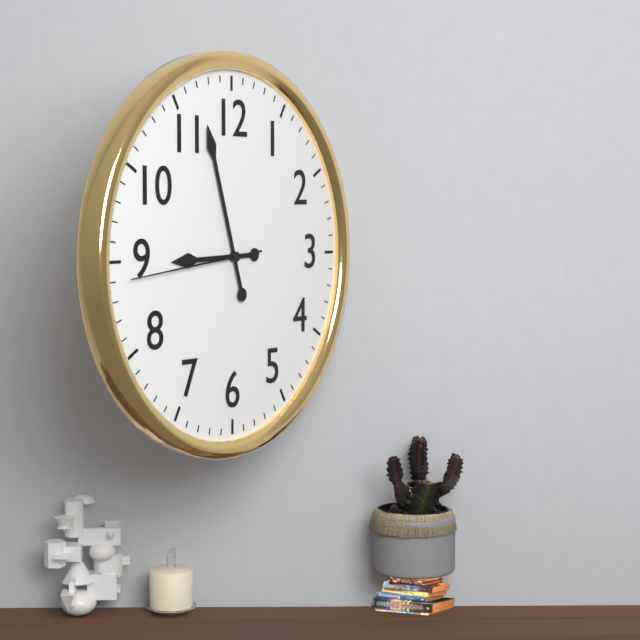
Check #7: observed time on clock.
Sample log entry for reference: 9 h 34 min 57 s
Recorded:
8 h 57 min 44 s
